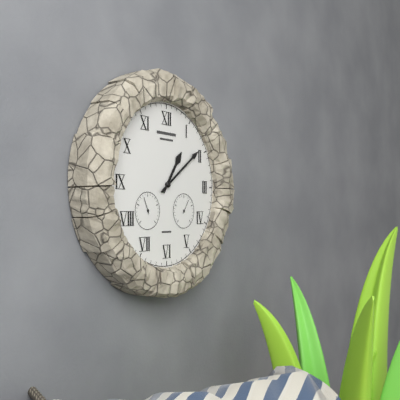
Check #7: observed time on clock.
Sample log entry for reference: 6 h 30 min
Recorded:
1 h 09 min
